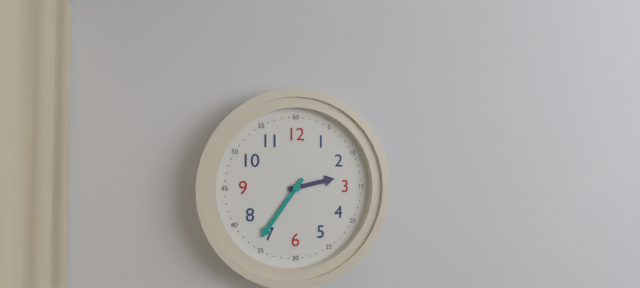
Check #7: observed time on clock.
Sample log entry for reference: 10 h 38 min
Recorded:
2 h 36 min
